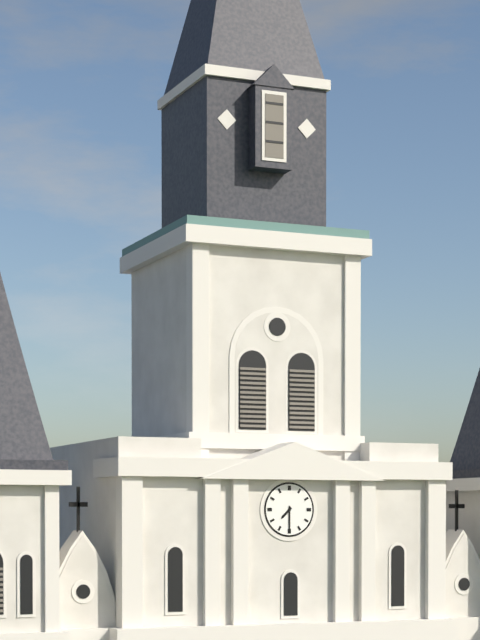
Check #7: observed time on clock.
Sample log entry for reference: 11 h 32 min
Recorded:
7 h 30 min
